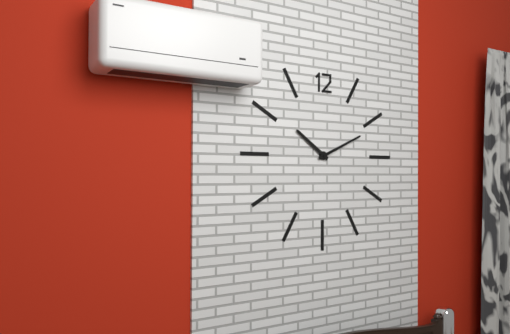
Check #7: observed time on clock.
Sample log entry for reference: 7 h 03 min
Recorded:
10 h 11 min
